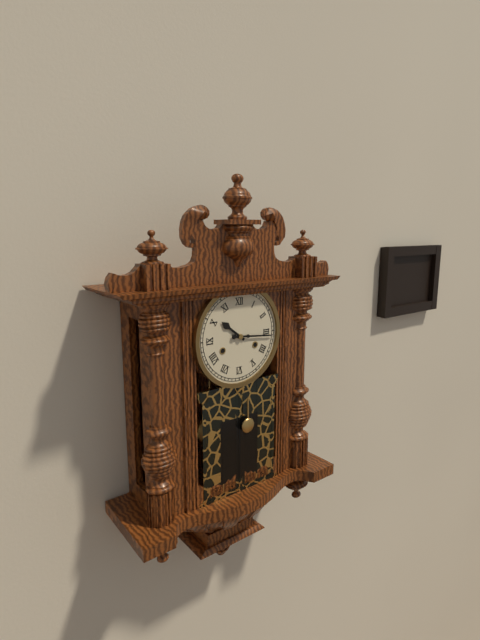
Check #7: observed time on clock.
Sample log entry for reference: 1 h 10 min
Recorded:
10 h 16 min
